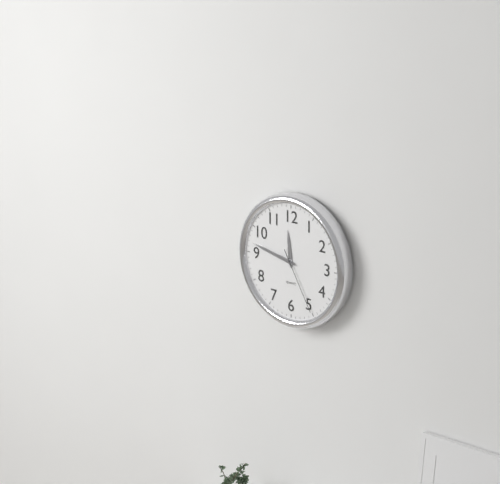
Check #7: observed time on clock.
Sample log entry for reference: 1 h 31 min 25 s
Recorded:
11 h 47 min 25 s
